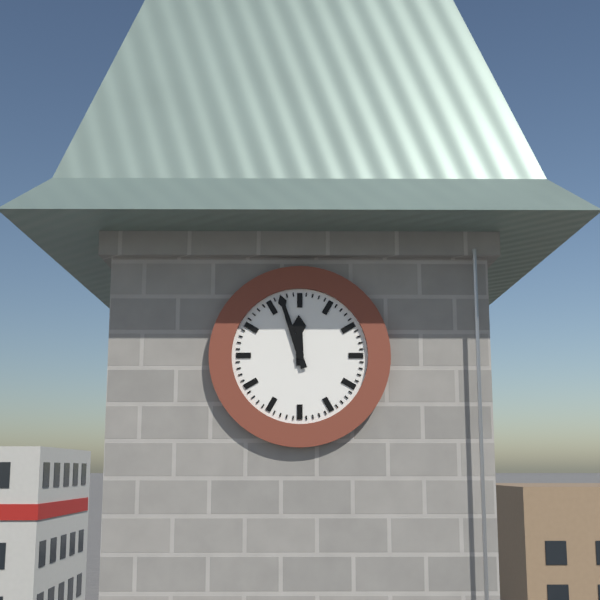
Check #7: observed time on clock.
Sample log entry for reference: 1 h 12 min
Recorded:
11 h 57 min
